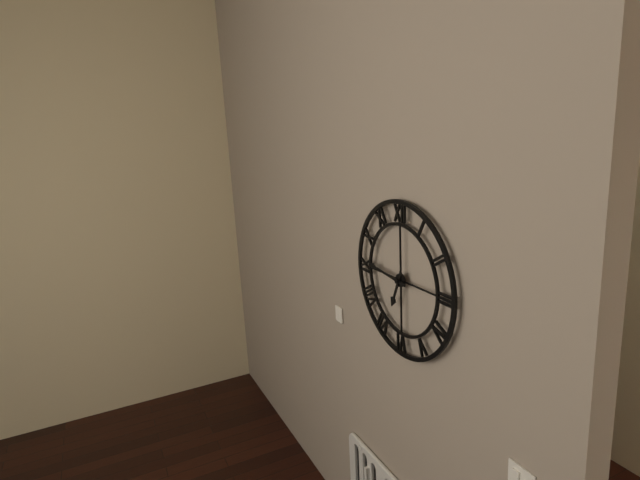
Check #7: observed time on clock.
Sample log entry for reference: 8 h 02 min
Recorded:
6 h 46 min
